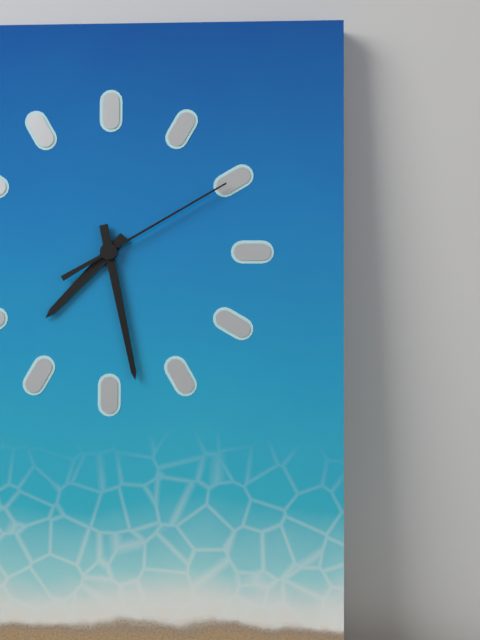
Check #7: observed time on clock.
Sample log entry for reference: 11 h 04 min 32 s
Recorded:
7 h 28 min 10 s
